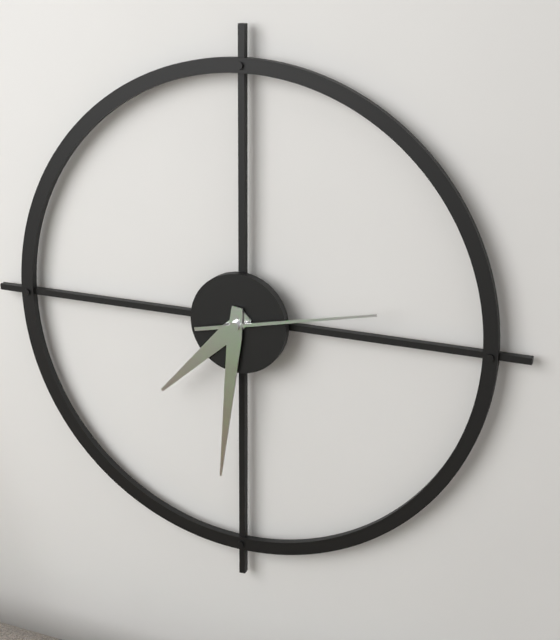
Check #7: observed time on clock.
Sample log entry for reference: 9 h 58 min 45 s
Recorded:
7 h 31 min 13 s
